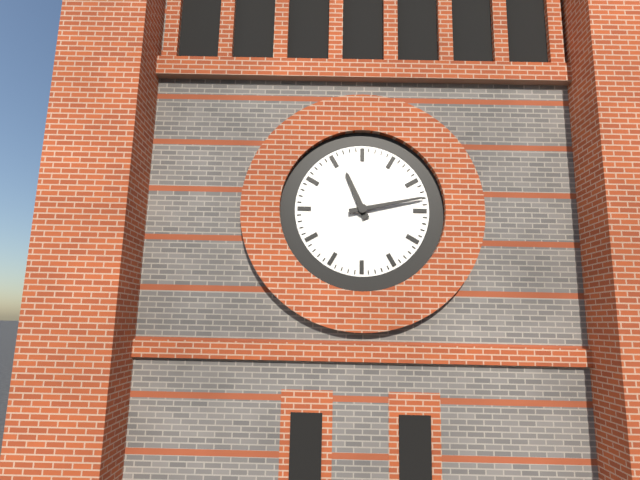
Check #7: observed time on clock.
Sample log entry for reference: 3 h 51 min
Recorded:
11 h 13 min
